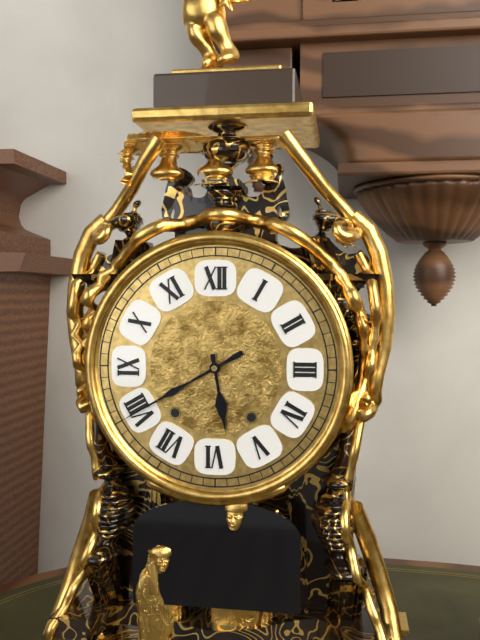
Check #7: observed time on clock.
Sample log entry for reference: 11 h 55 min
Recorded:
5 h 40 min
